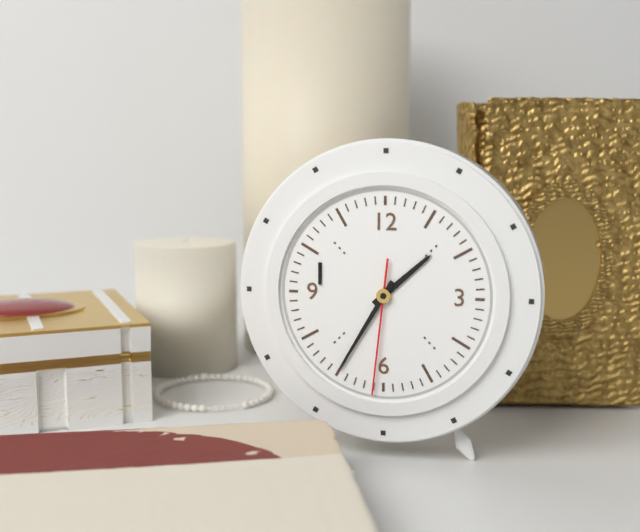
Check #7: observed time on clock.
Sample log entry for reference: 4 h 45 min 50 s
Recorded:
1 h 35 min 31 s
